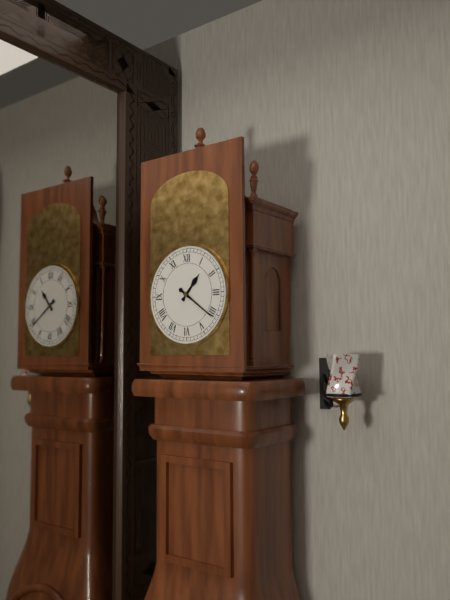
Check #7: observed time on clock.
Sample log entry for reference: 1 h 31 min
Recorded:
1 h 21 min
